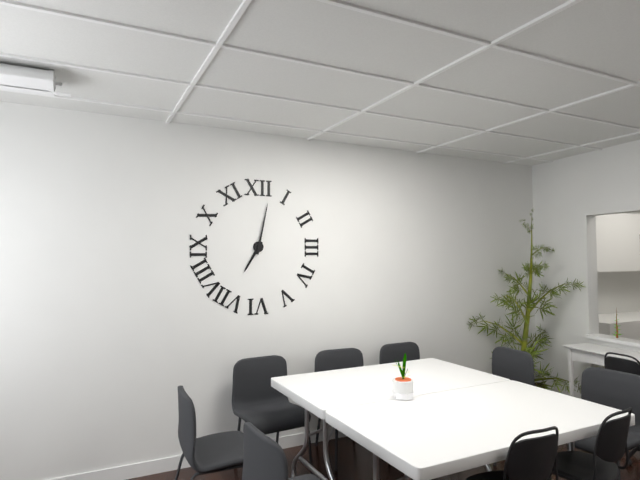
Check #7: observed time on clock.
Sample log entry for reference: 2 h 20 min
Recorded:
7 h 02 min
